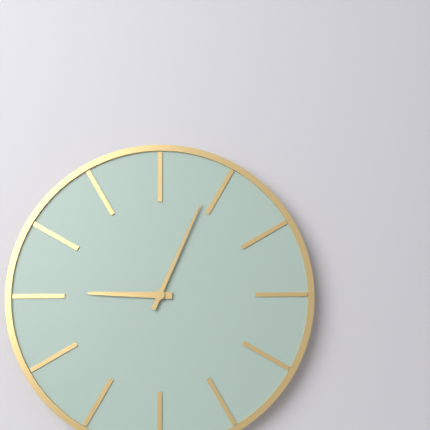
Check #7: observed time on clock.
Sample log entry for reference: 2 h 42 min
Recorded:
9 h 04 min
